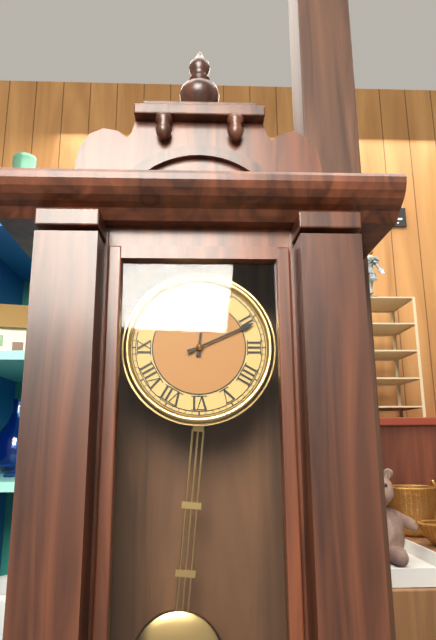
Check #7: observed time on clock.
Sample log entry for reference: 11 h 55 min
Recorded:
12 h 11 min
